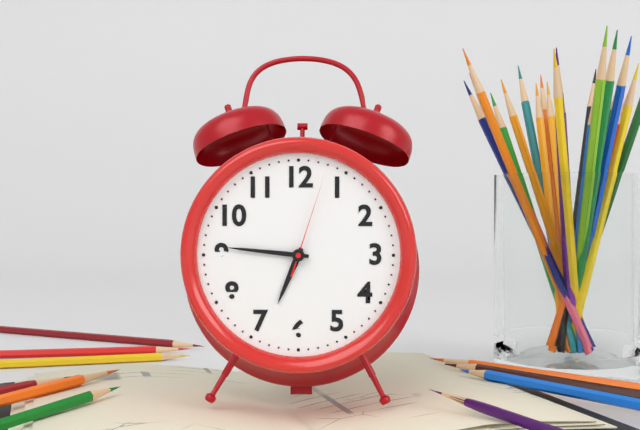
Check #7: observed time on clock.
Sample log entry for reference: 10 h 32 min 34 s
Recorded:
6 h 46 min 03 s
